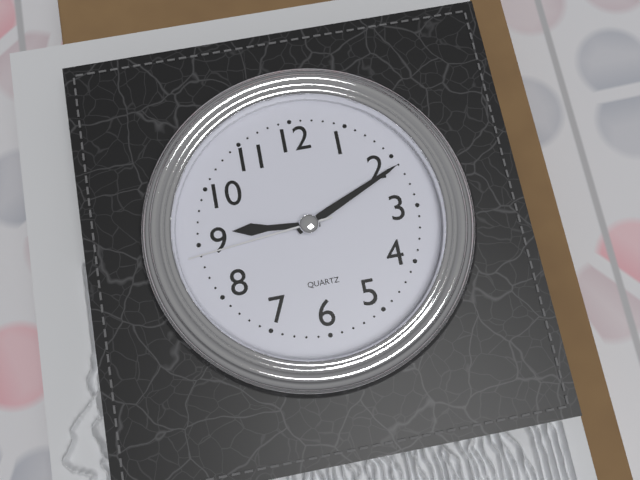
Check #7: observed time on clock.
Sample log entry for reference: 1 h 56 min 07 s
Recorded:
9 h 11 min 44 s
